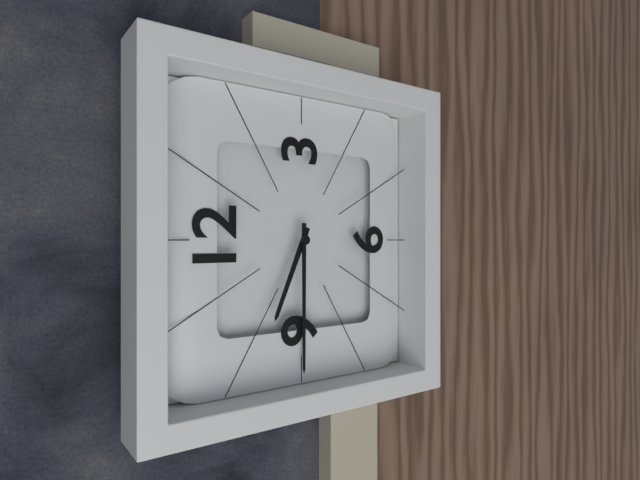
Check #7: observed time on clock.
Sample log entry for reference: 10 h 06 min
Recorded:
9 h 45 min
